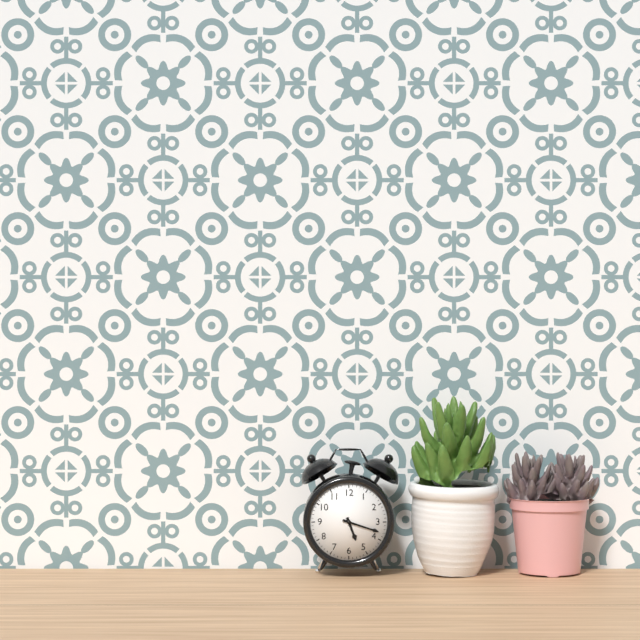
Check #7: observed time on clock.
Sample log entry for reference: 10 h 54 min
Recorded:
5 h 18 min
